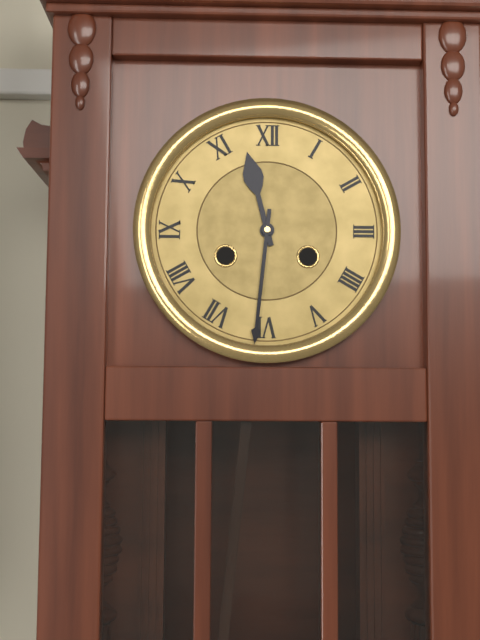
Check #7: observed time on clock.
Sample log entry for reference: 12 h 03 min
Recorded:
11 h 31 min
